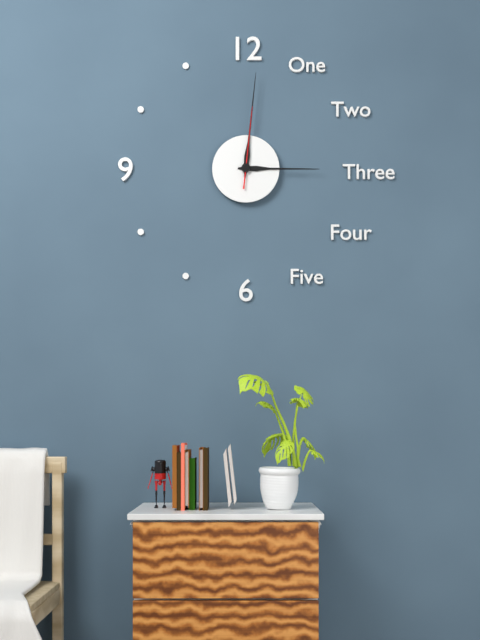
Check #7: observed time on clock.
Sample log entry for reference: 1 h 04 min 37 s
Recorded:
3 h 01 min 01 s
